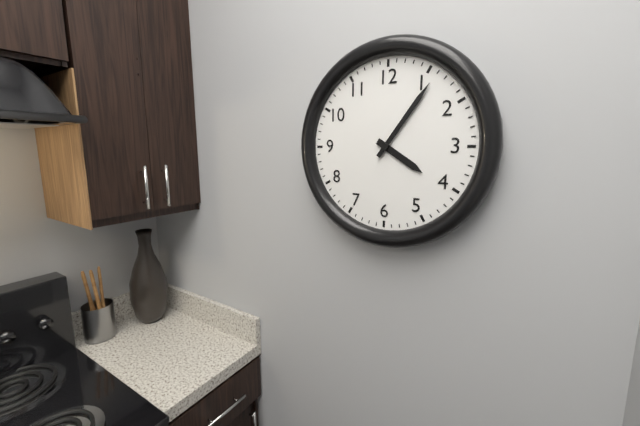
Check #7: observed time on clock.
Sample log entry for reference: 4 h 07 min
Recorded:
4 h 06 min
